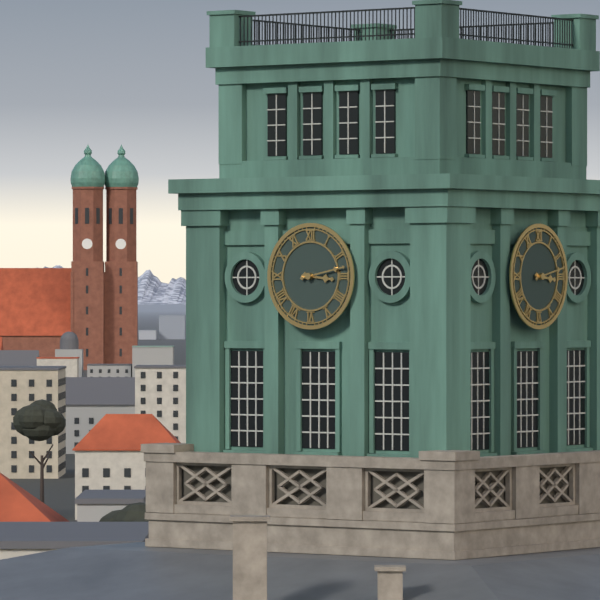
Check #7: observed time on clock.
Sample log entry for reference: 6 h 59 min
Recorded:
3 h 13 min
